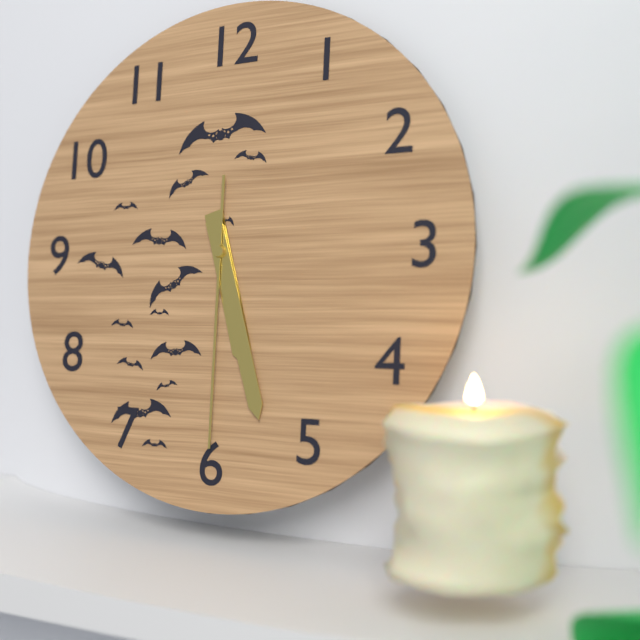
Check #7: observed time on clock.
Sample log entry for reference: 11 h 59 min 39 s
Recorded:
5 h 27 min 30 s
